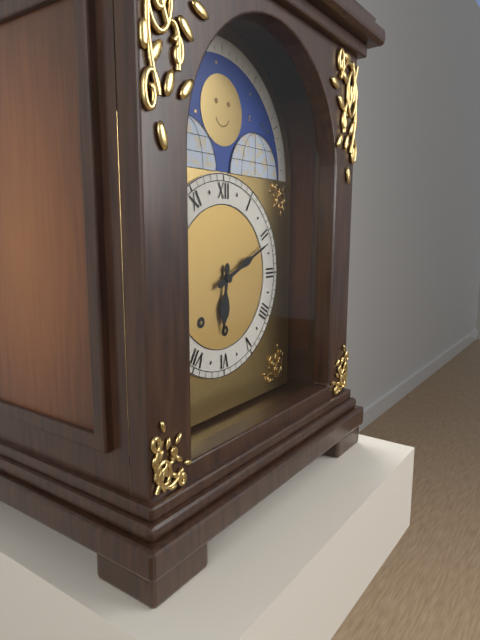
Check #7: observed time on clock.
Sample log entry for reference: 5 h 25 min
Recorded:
6 h 11 min
